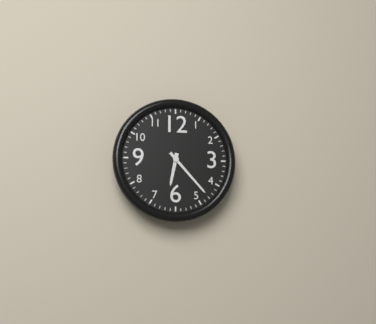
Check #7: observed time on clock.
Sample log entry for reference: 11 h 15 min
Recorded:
6 h 23 min
